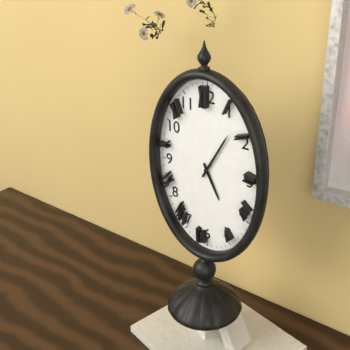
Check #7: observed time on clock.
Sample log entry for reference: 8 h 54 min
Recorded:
5 h 05 min
